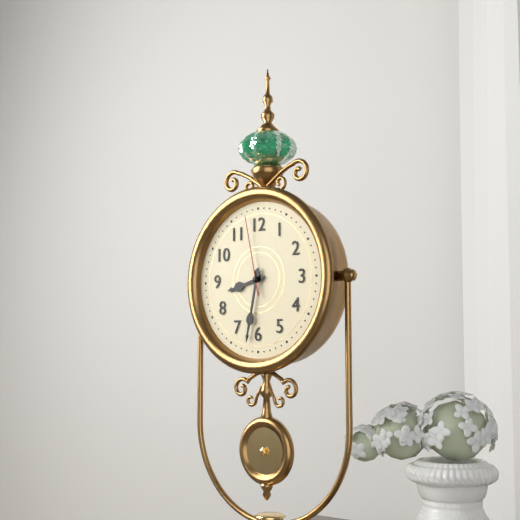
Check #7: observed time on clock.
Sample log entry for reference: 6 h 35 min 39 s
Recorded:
8 h 32 min 58 s
